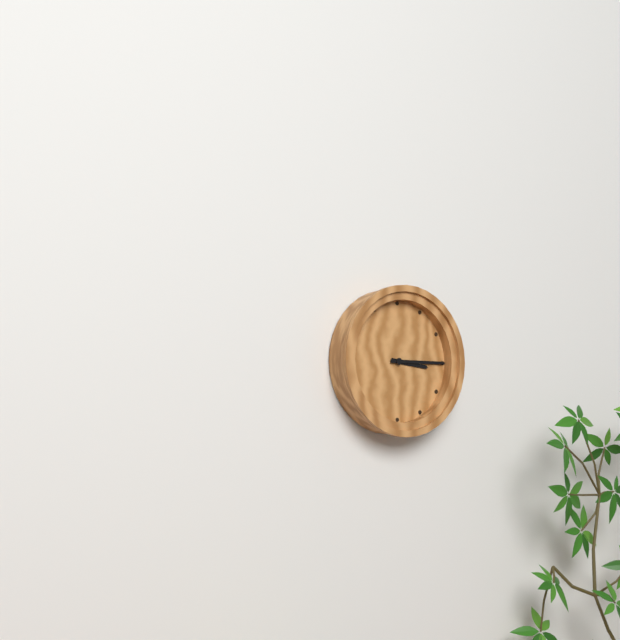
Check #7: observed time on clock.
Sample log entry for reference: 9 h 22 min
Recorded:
3 h 15 min
